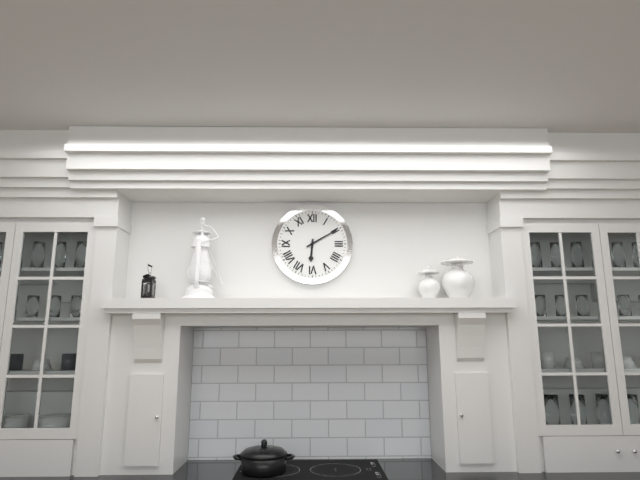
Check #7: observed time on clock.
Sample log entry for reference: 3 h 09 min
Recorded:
6 h 10 min
